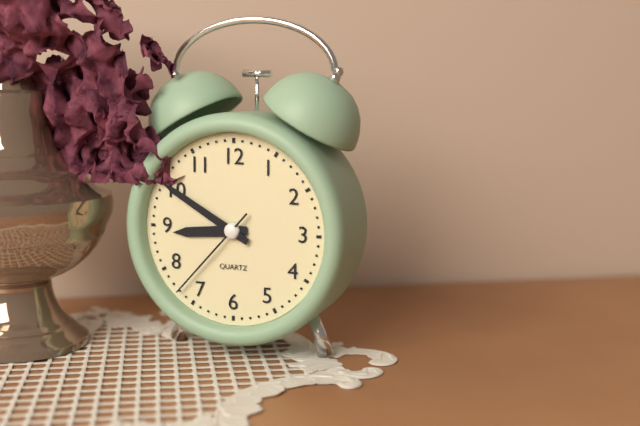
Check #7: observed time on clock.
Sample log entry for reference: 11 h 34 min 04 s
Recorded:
8 h 50 min 37 s
